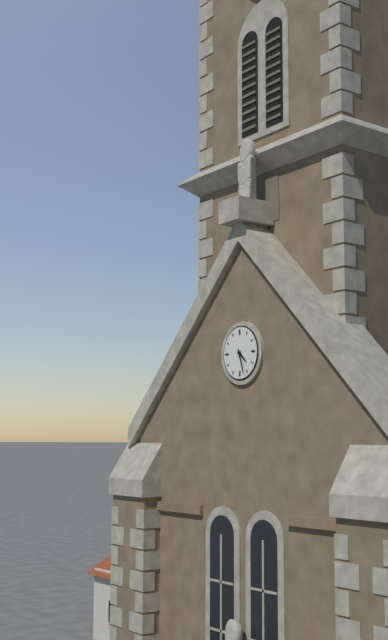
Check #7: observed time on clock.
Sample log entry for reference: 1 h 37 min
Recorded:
4 h 27 min
